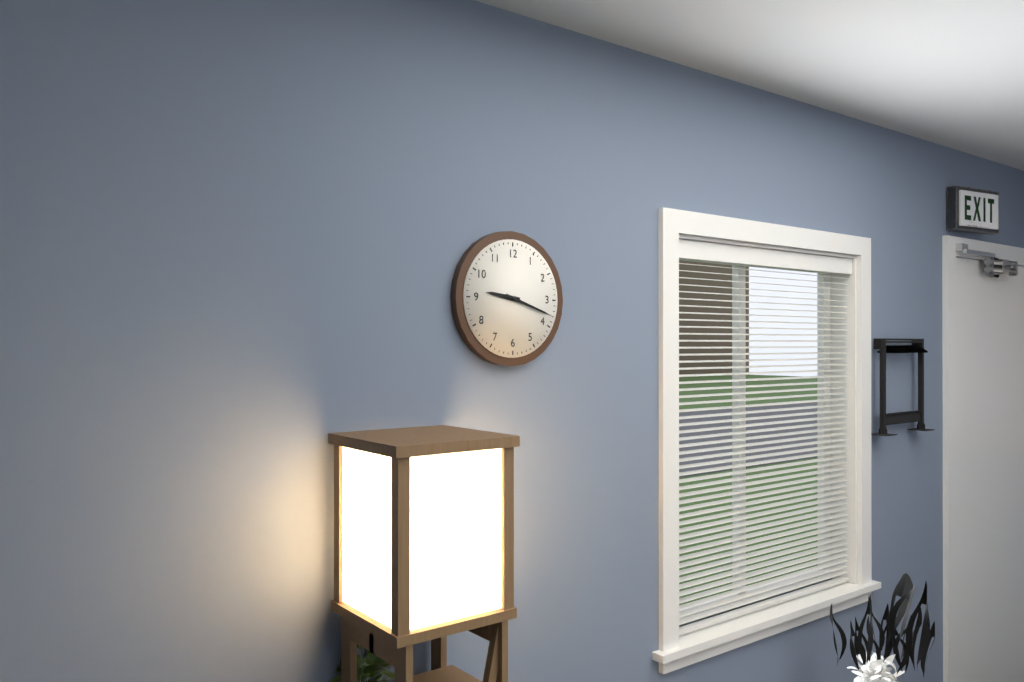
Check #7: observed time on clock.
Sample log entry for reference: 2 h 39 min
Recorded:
9 h 18 min
